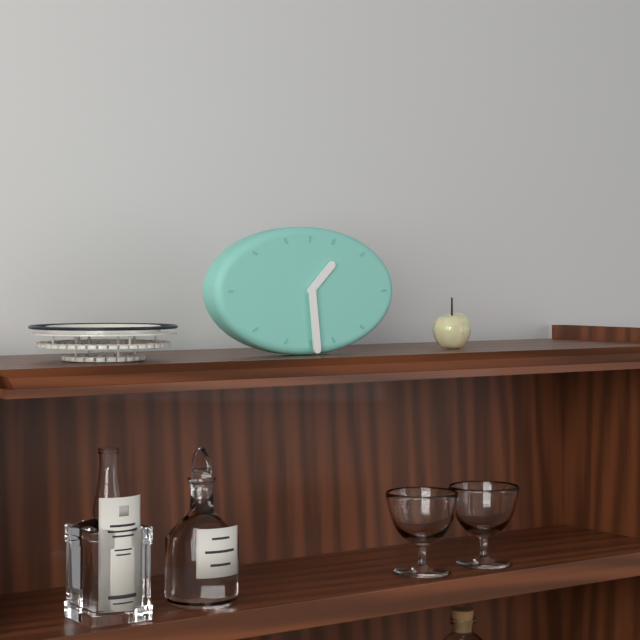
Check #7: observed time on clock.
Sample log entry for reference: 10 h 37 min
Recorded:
1 h 29 min
